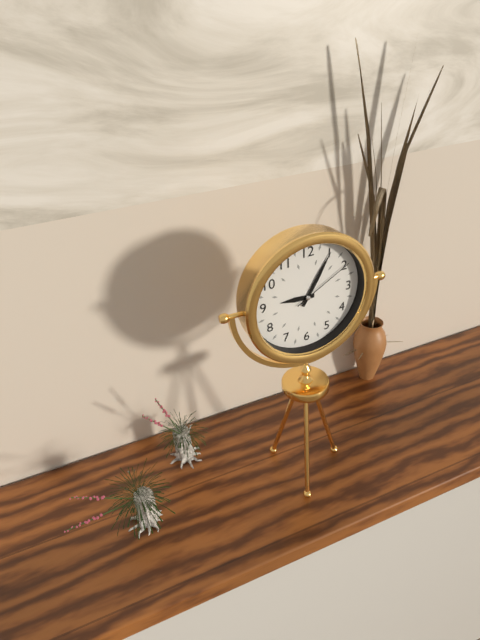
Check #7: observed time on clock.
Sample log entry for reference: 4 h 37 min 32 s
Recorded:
9 h 05 min 10 s
